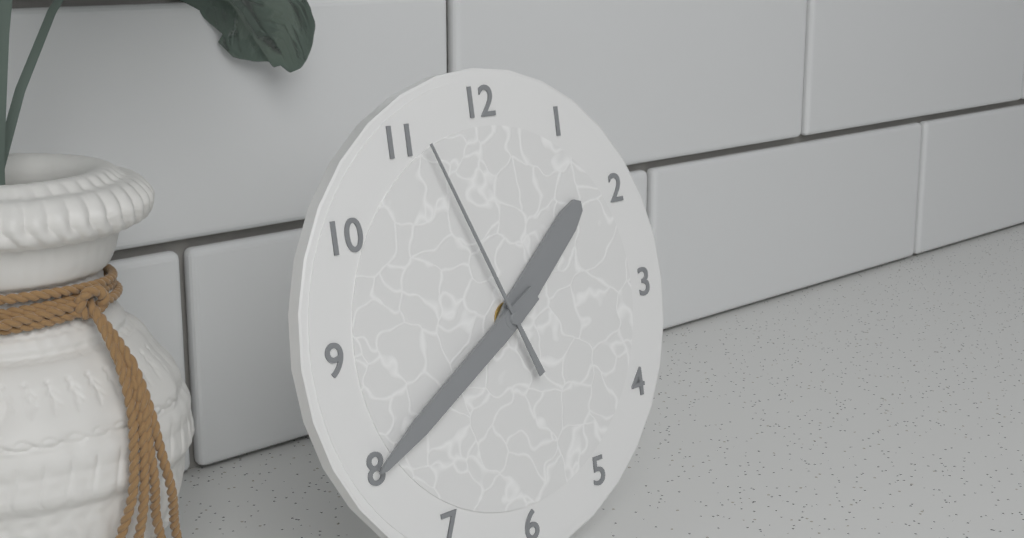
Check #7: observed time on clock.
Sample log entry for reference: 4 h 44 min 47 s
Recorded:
1 h 40 min 56 s
